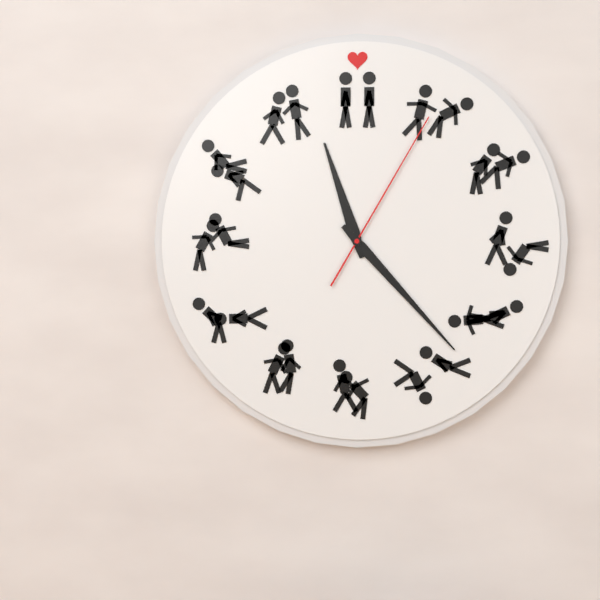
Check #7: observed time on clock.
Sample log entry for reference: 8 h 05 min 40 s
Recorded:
11 h 23 min 05 s
